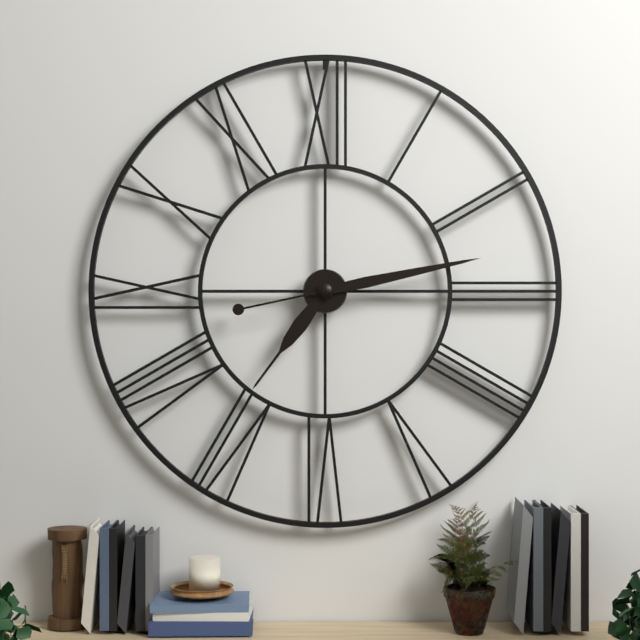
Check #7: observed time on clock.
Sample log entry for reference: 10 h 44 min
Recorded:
7 h 13 min
